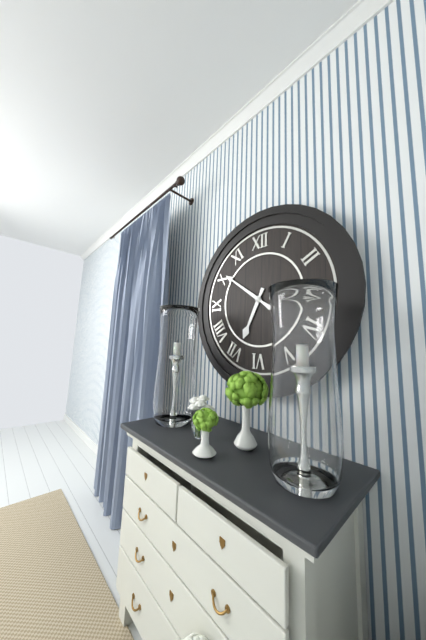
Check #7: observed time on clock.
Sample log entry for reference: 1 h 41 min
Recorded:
6 h 51 min
